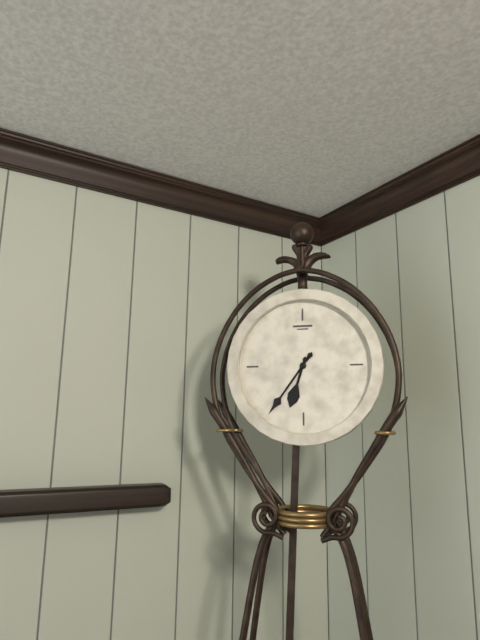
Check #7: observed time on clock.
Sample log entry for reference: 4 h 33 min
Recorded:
6 h 36 min
